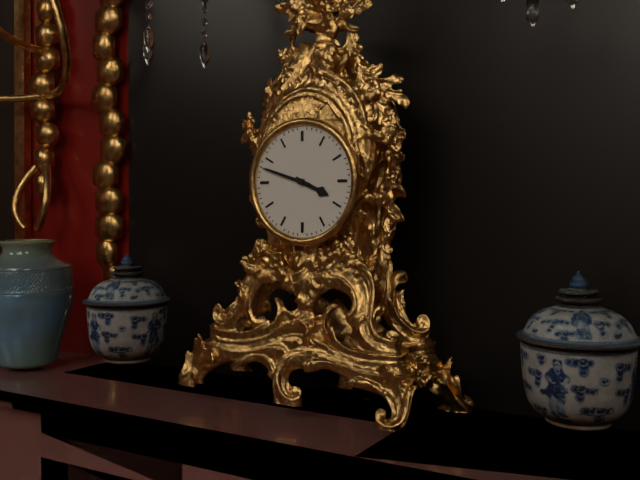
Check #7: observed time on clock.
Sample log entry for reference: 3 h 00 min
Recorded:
3 h 48 min
